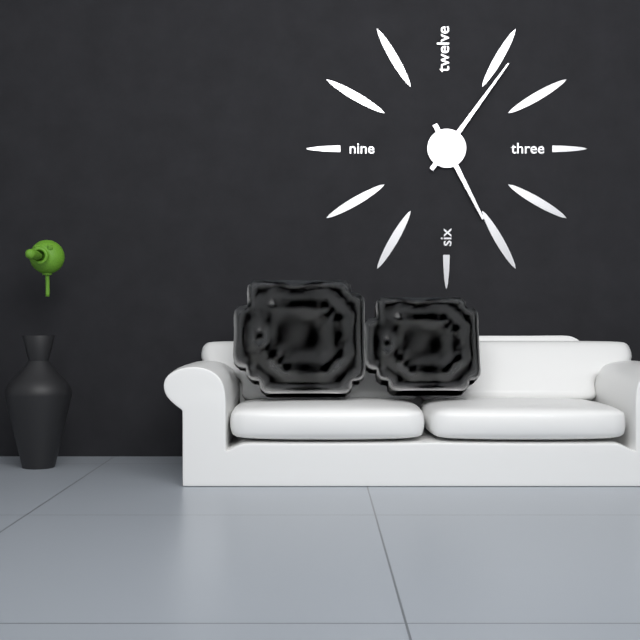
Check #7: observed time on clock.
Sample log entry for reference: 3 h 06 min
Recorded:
5 h 06 min
